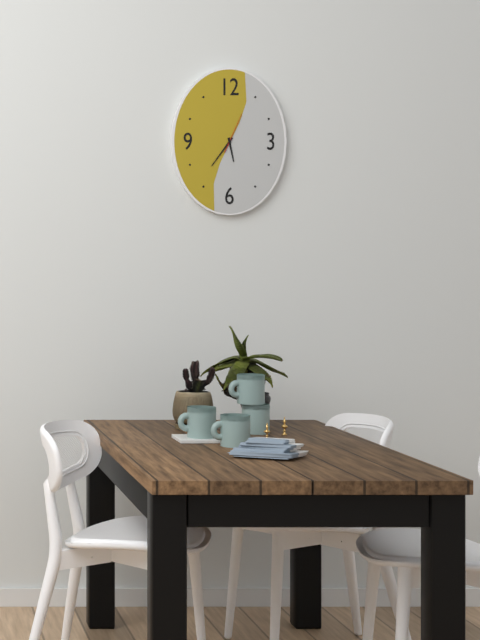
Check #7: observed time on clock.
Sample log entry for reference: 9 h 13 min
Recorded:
5 h 36 min
